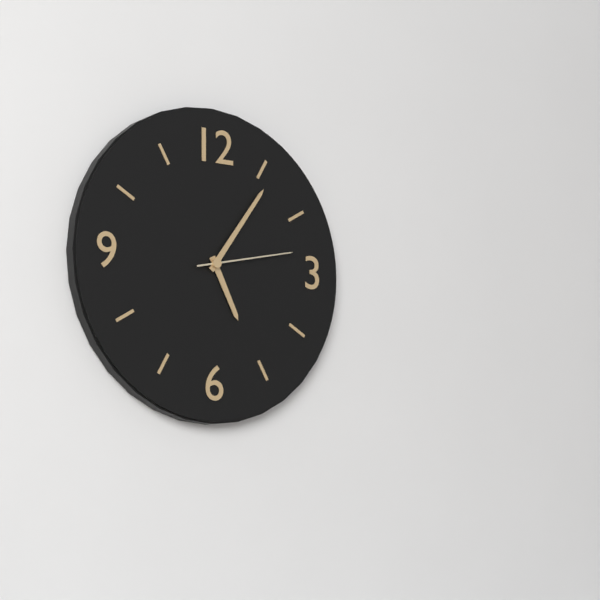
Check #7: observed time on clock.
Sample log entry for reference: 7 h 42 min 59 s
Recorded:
5 h 06 min 13 s
